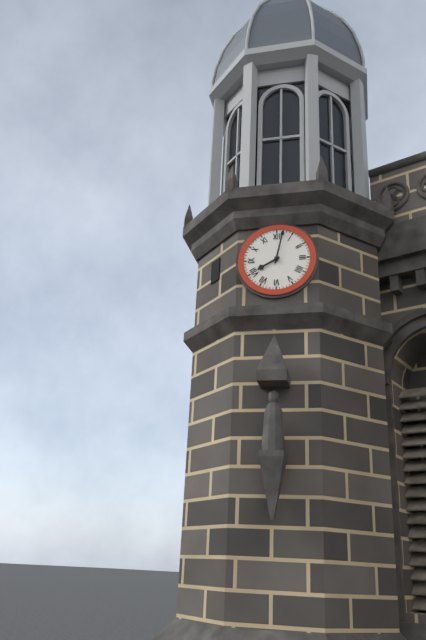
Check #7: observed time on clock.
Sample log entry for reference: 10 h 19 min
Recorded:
8 h 02 min
